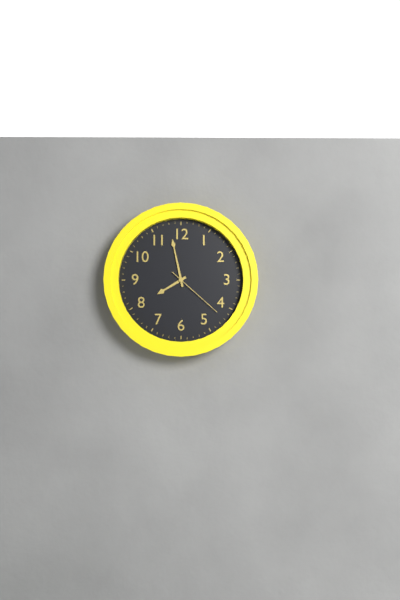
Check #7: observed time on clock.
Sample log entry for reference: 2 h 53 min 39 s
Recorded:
7 h 58 min 22 s
